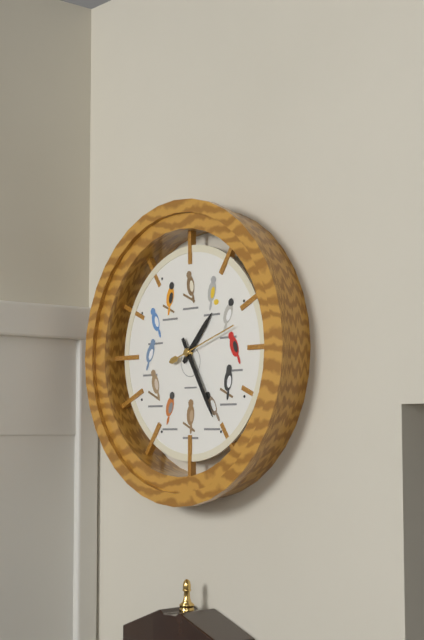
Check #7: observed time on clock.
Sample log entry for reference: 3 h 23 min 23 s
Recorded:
1 h 25 min 12 s
